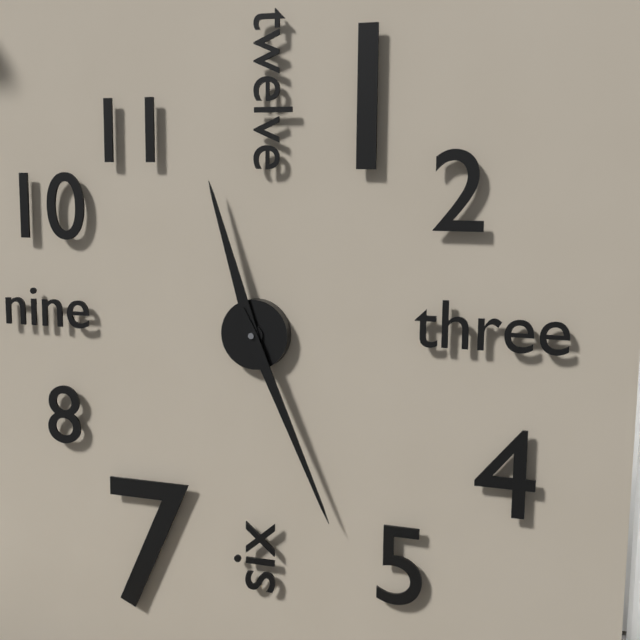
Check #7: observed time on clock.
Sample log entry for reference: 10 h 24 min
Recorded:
11 h 26 min
